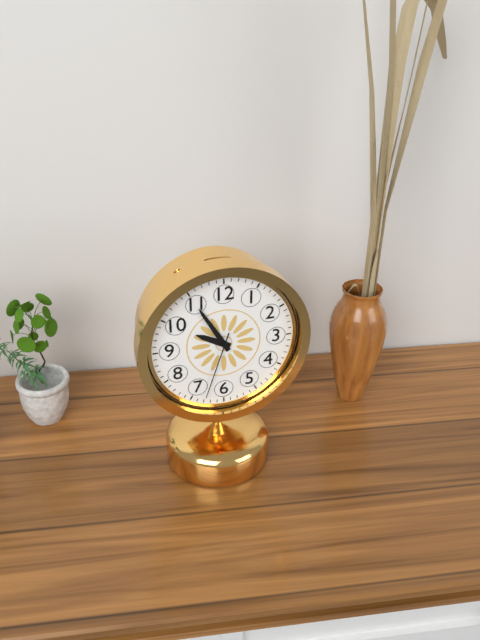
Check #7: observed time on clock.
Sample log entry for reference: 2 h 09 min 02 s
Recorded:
9 h 55 min 33 s
